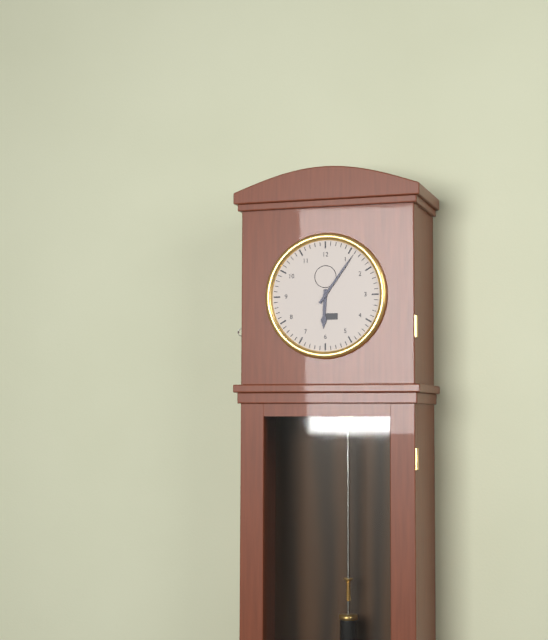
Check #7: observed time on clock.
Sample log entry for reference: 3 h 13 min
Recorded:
6 h 06 min
